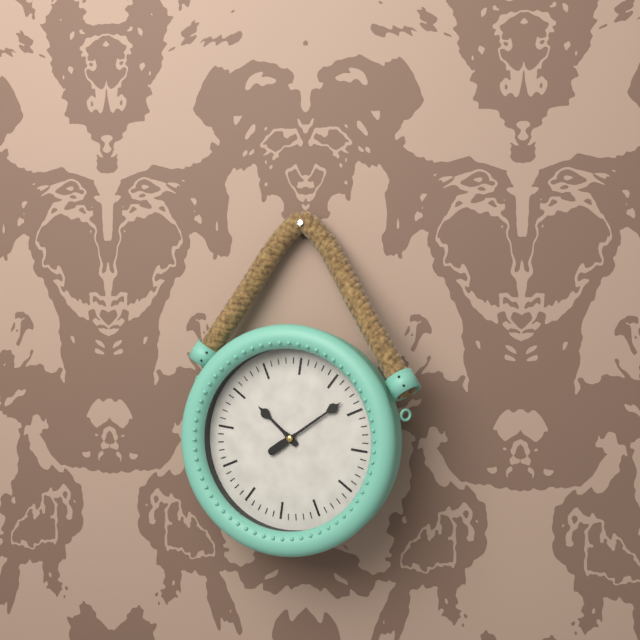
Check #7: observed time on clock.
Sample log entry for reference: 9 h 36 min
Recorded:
10 h 08 min
